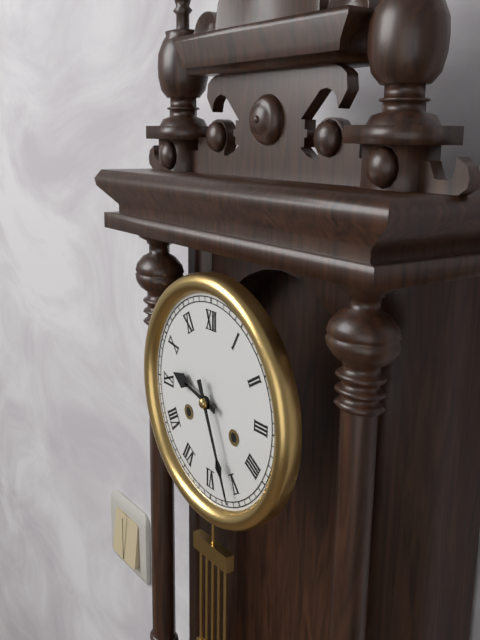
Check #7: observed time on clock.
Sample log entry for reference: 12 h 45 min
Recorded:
9 h 26 min
